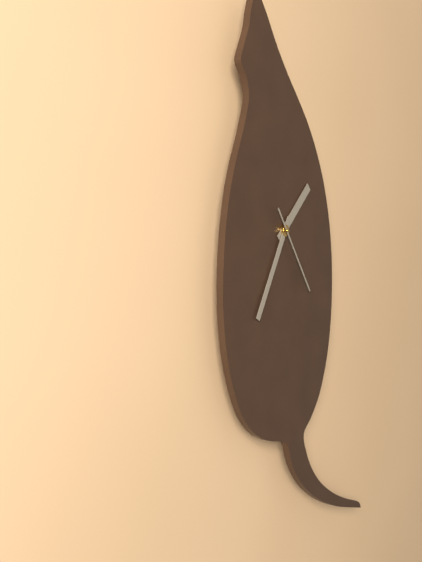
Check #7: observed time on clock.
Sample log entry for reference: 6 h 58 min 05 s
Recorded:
1 h 35 min 24 s
